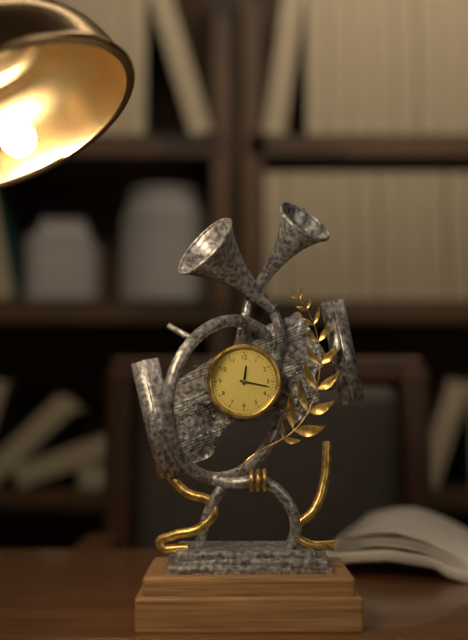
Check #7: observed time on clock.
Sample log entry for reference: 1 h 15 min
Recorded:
12 h 17 min
